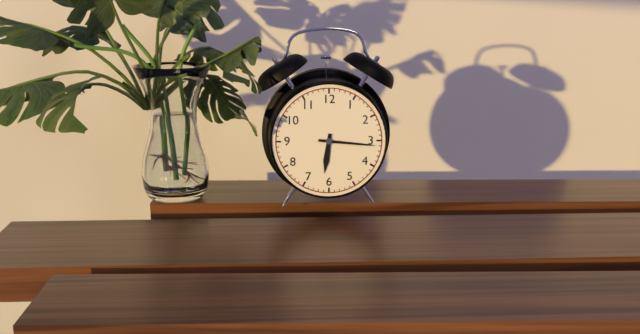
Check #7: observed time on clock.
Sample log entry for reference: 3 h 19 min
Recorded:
6 h 16 min
